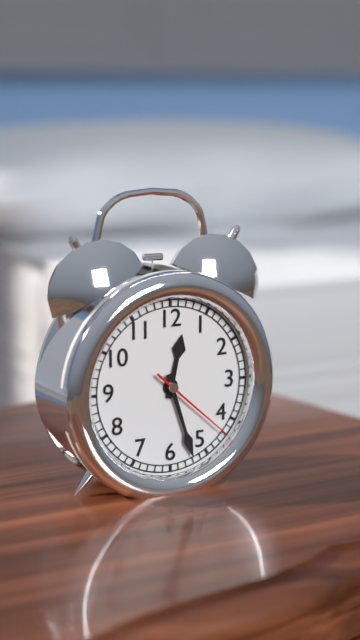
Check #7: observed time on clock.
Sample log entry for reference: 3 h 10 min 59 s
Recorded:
12 h 27 min 22 s
